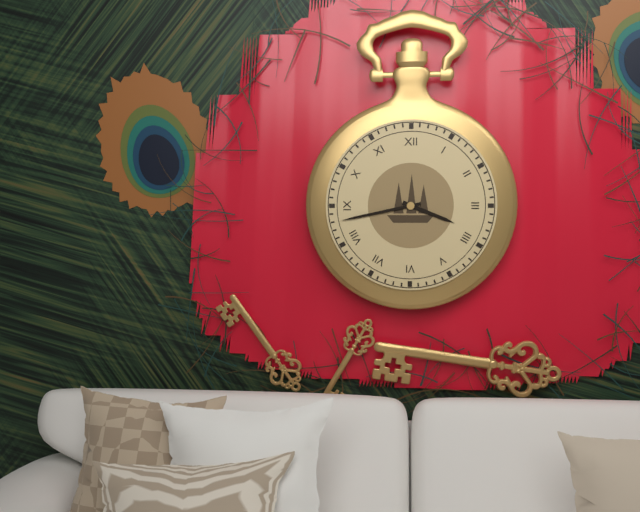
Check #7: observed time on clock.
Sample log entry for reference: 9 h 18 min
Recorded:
3 h 43 min
